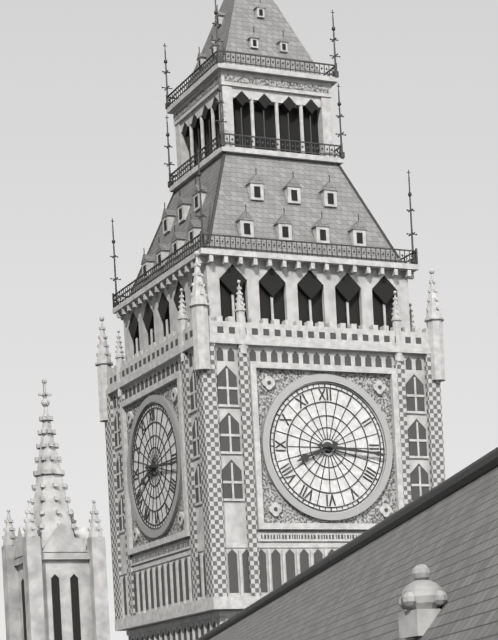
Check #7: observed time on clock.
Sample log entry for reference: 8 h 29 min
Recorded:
8 h 16 min
